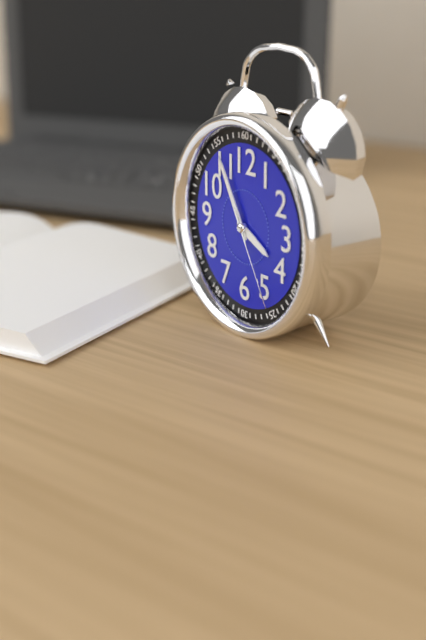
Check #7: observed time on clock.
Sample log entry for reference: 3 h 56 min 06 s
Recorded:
3 h 55 min 25 s
